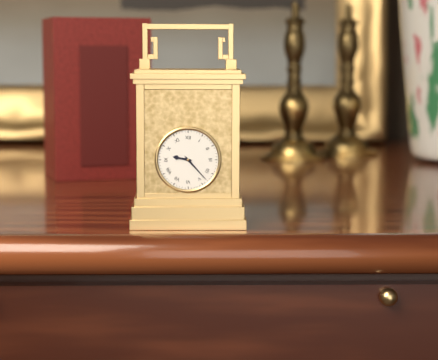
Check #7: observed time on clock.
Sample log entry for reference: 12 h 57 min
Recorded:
9 h 23 min
